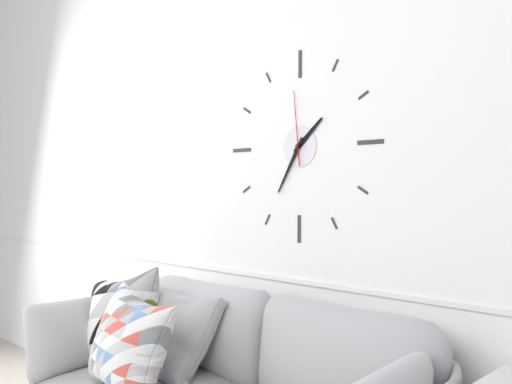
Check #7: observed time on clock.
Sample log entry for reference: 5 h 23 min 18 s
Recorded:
1 h 35 min 59 s
